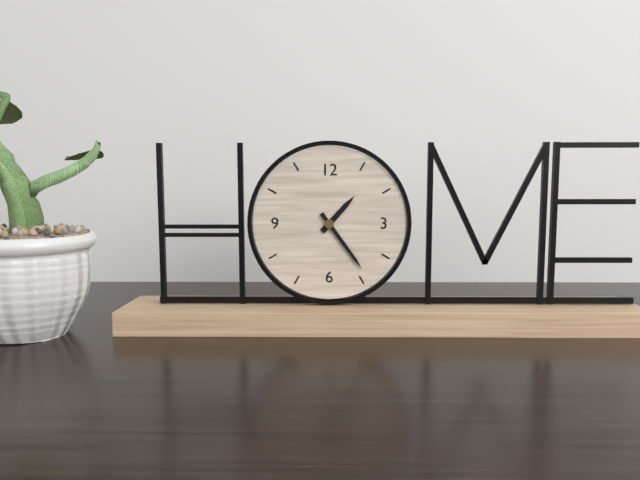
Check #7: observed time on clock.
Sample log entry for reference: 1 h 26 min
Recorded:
1 h 24 min
